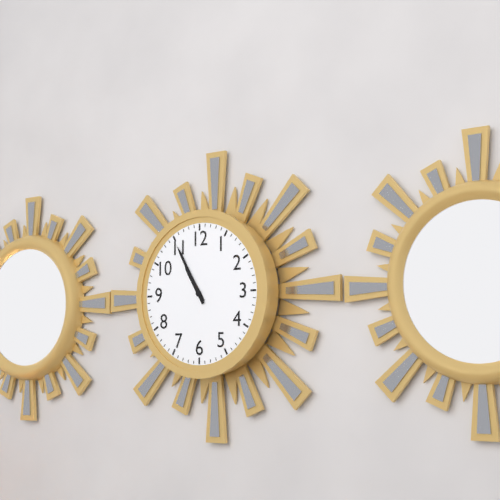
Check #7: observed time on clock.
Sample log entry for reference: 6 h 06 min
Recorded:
10 h 55 min
